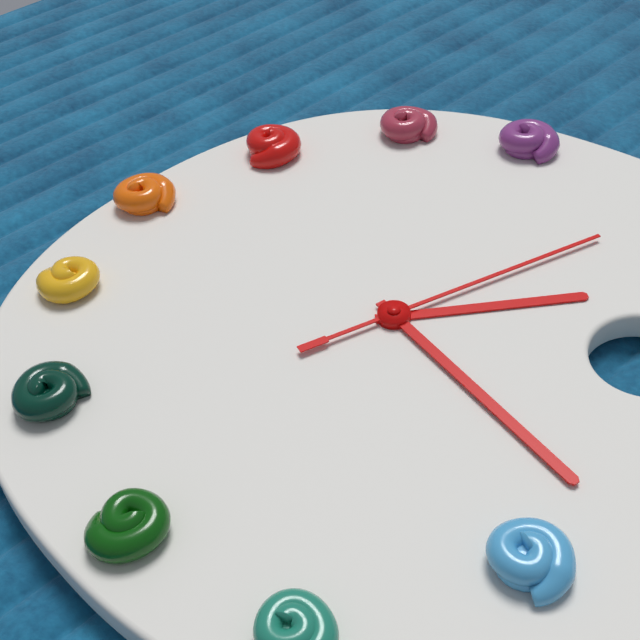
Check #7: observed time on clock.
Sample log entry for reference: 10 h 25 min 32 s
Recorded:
1 h 17 min 03 s
